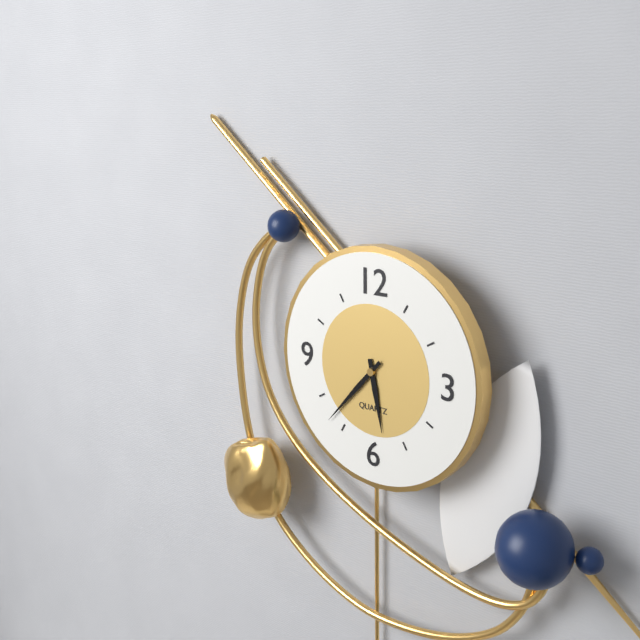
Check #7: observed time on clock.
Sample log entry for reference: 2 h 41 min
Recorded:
5 h 37 min
